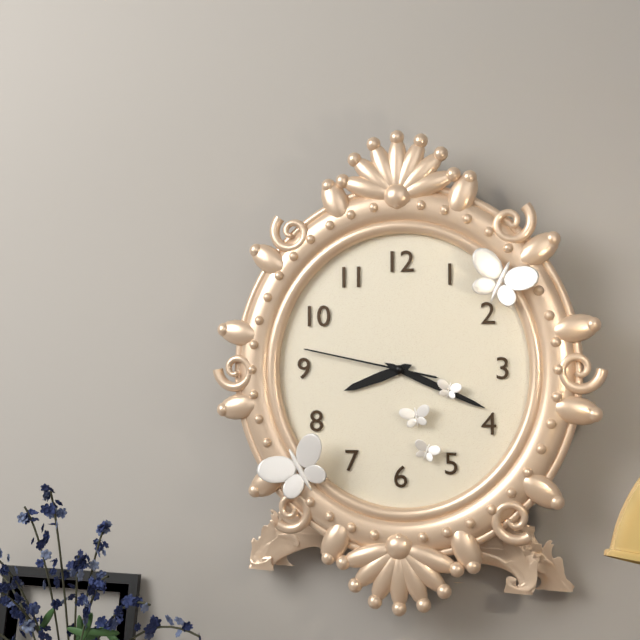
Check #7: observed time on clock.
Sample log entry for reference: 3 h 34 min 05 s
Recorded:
8 h 19 min 47 s
